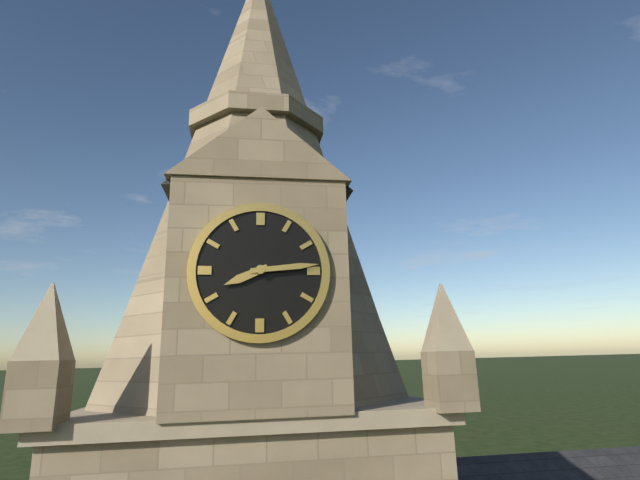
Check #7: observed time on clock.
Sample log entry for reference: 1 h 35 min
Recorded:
8 h 14 min
